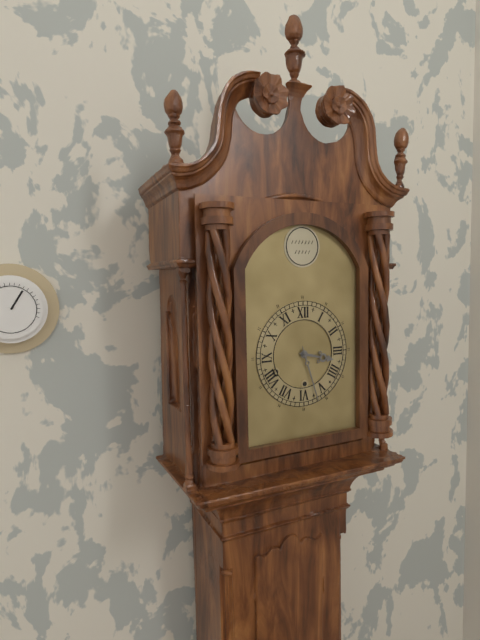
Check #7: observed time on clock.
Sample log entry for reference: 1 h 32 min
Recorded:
3 h 27 min
